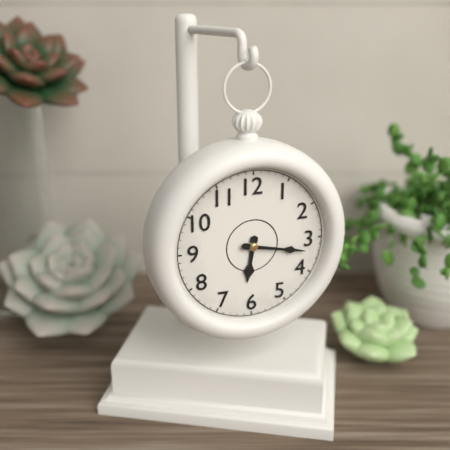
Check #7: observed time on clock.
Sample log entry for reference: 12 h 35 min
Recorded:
6 h 17 min
